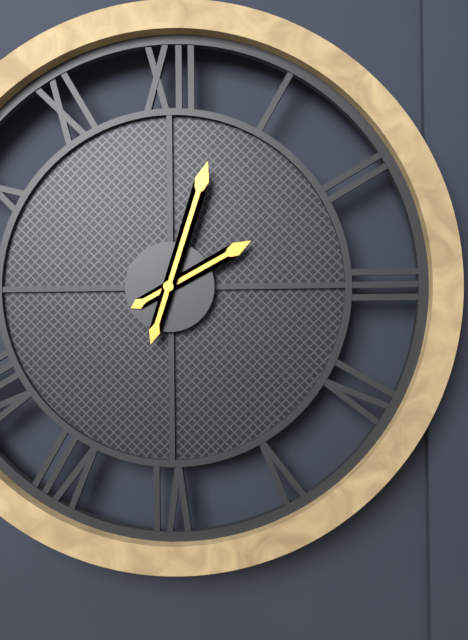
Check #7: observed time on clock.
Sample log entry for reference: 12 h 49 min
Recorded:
2 h 03 min
